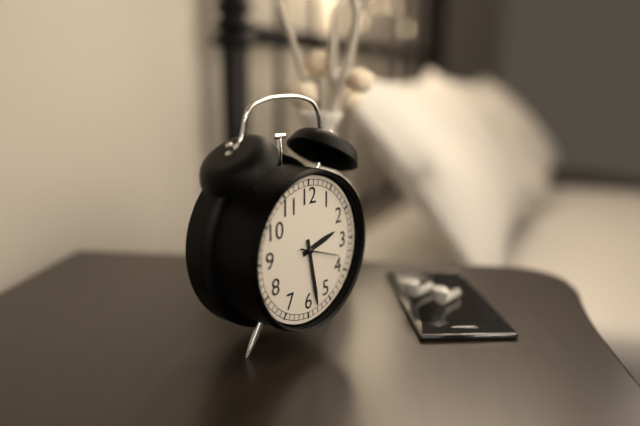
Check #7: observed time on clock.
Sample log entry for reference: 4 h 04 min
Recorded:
2 h 28 min
